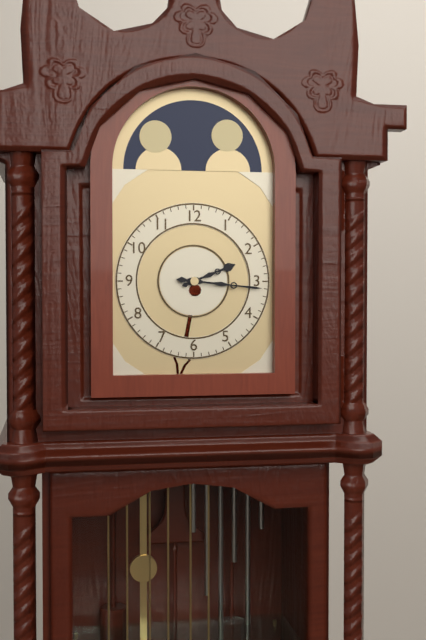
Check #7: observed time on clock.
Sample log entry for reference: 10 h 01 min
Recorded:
2 h 16 min
